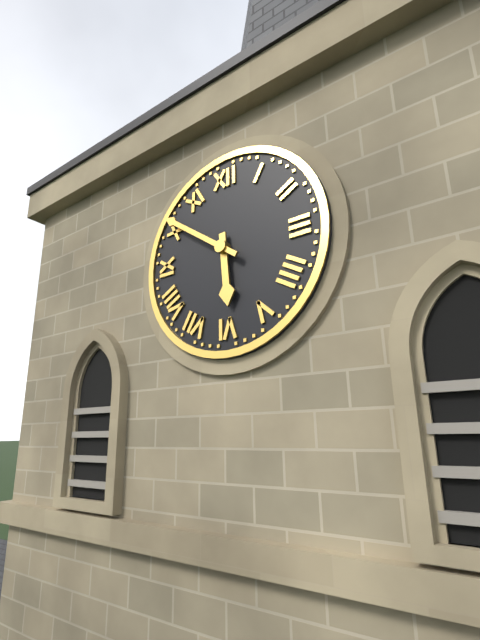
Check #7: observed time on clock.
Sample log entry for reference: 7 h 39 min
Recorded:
5 h 51 min
